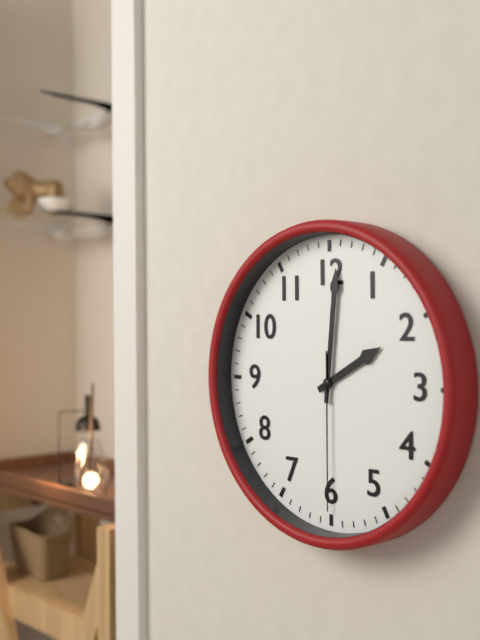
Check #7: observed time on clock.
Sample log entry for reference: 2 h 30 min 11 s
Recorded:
2 h 01 min 30 s
